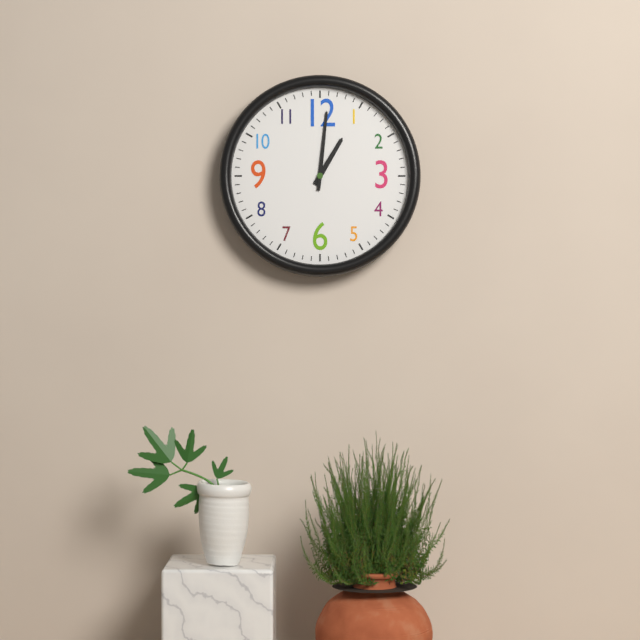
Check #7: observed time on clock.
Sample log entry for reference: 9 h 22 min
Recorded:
1 h 01 min
